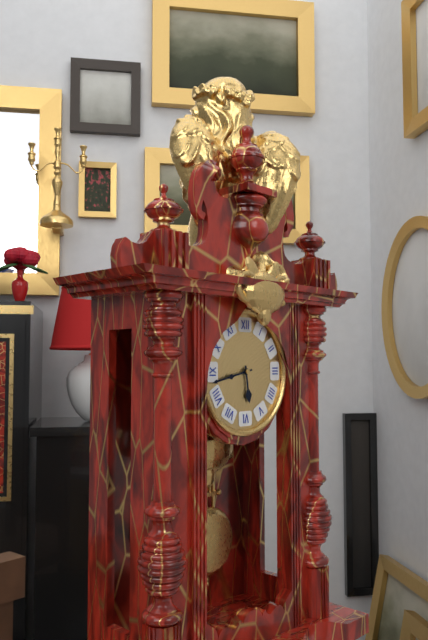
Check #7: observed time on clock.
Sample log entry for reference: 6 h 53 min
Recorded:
5 h 43 min
